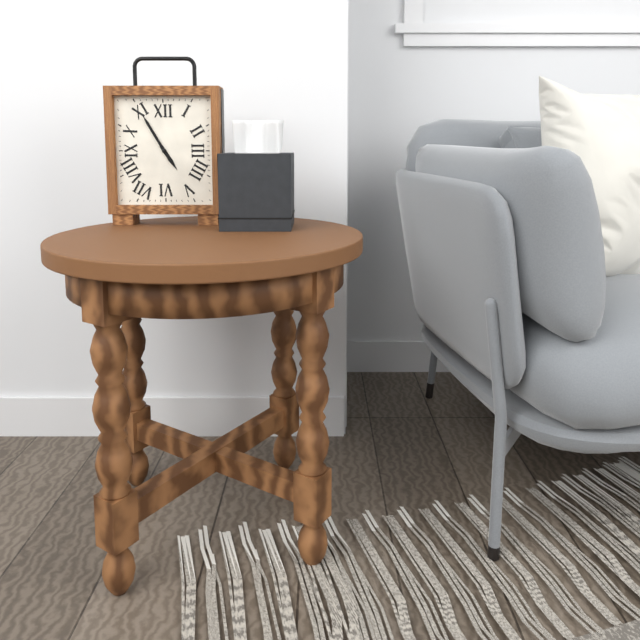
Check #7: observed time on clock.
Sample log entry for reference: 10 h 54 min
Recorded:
4 h 55 min
